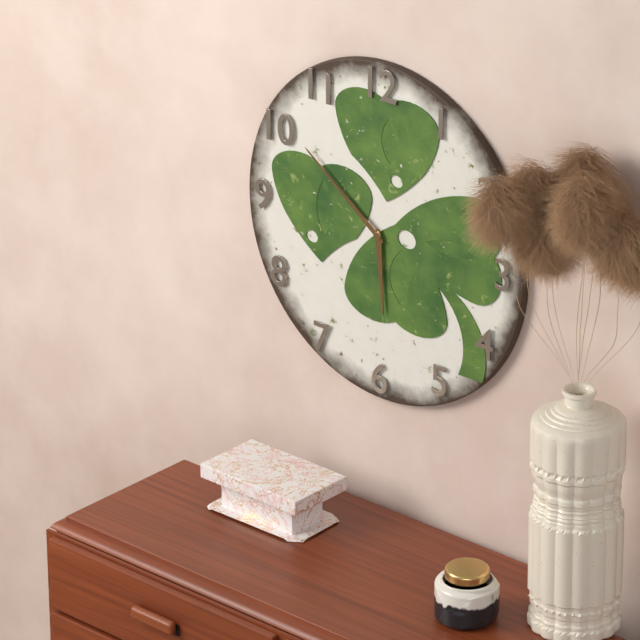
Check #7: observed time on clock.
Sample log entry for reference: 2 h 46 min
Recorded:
5 h 51 min
